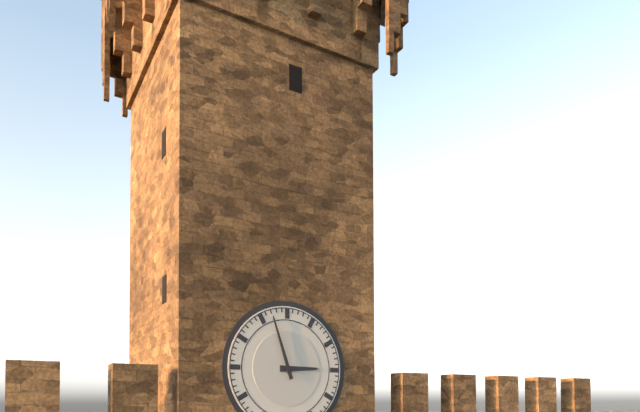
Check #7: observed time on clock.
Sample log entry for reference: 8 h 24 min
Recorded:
2 h 57 min
